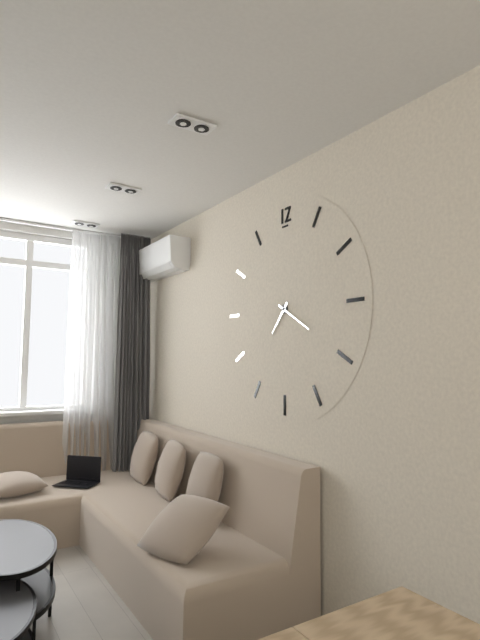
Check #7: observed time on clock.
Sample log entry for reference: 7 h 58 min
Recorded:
7 h 20 min
